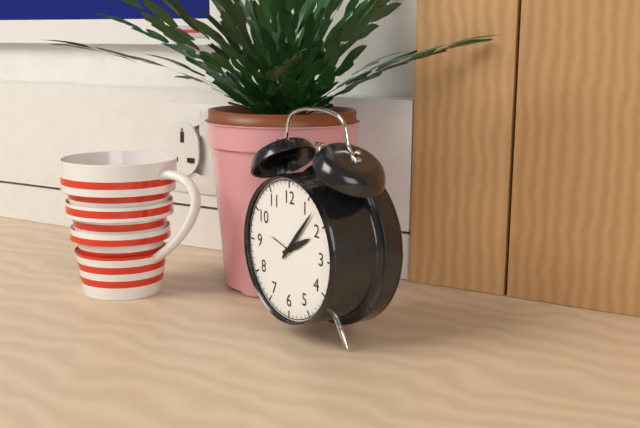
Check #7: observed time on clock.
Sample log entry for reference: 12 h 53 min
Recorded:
2 h 07 min
